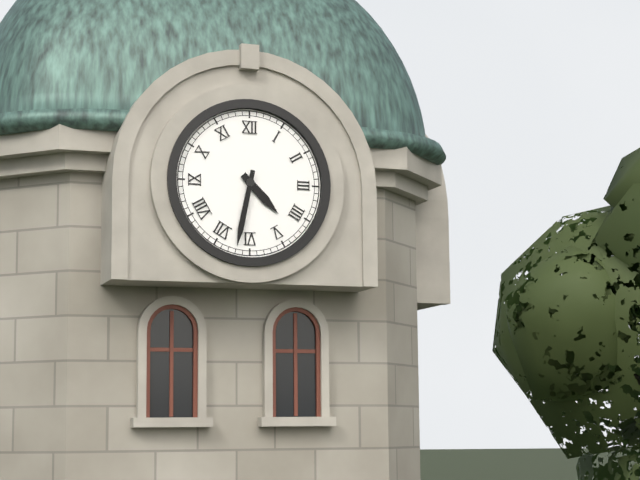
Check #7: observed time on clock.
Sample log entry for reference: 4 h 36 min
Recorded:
4 h 32 min
